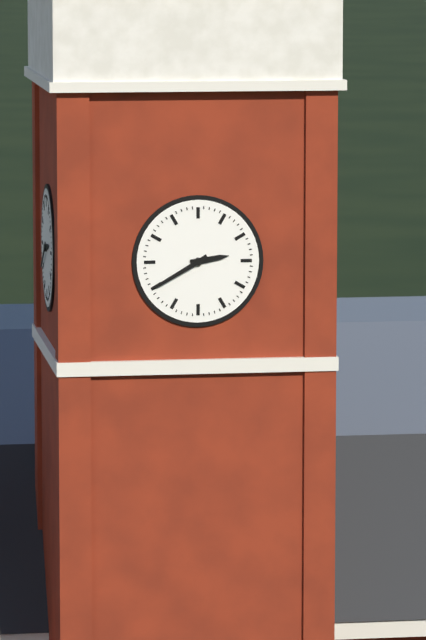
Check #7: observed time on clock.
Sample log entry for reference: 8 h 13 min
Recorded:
2 h 40 min
